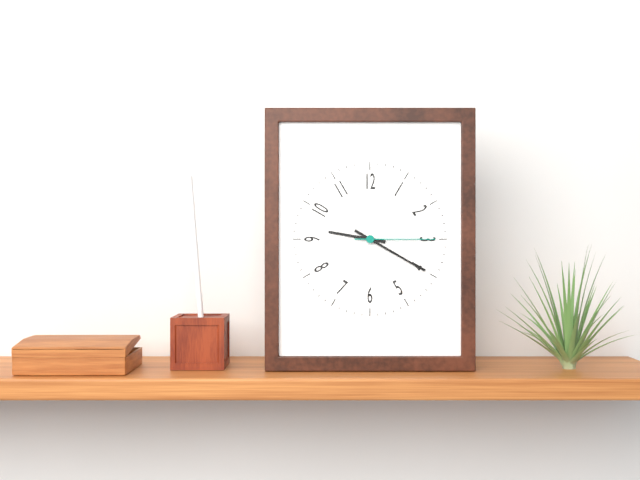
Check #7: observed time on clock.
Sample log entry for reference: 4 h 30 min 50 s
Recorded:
9 h 20 min 15 s
